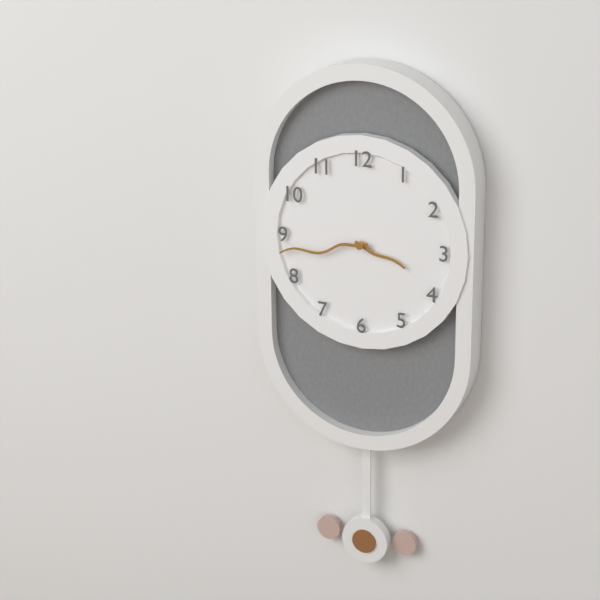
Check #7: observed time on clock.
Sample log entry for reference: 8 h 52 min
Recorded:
3 h 43 min
